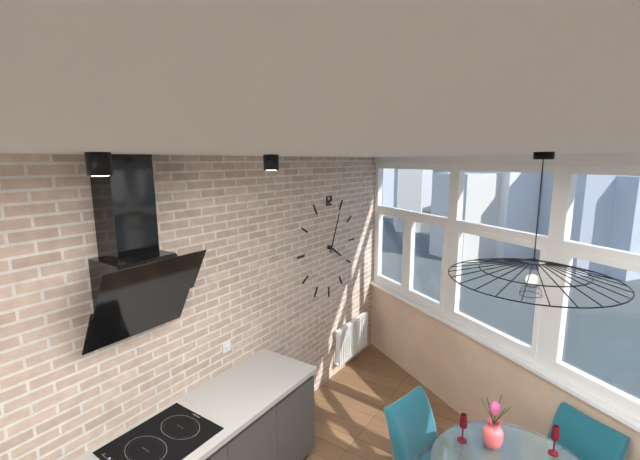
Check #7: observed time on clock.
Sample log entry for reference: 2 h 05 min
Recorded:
4 h 04 min
